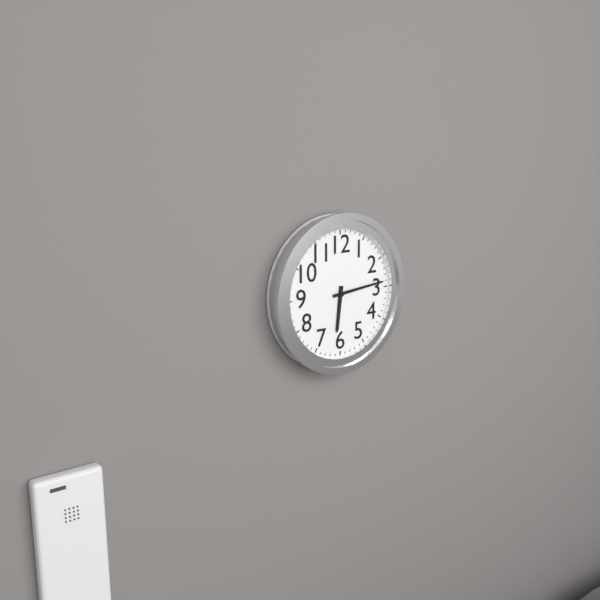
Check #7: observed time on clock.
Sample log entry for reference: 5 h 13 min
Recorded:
6 h 14 min
